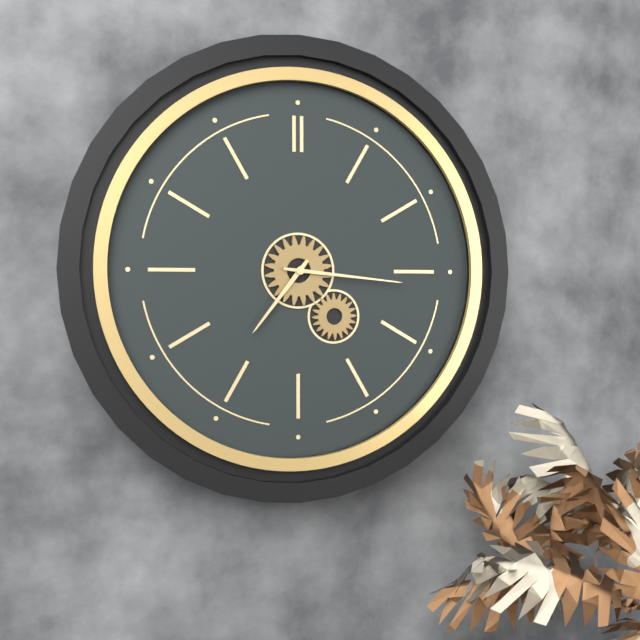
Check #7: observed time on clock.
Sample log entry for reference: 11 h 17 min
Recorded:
7 h 16 min
